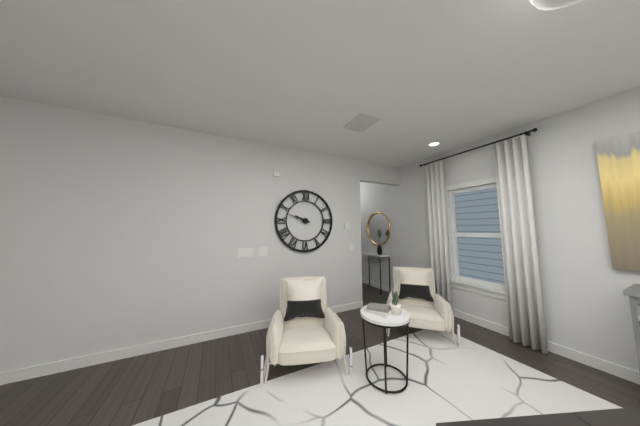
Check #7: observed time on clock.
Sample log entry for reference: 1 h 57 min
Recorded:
9 h 48 min
